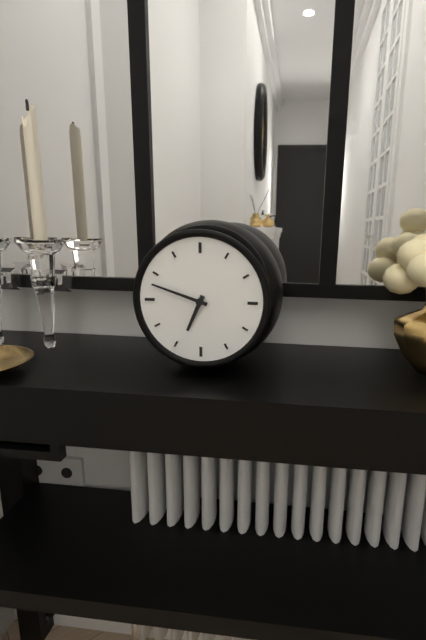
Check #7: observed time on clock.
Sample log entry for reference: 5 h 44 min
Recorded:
6 h 48 min
